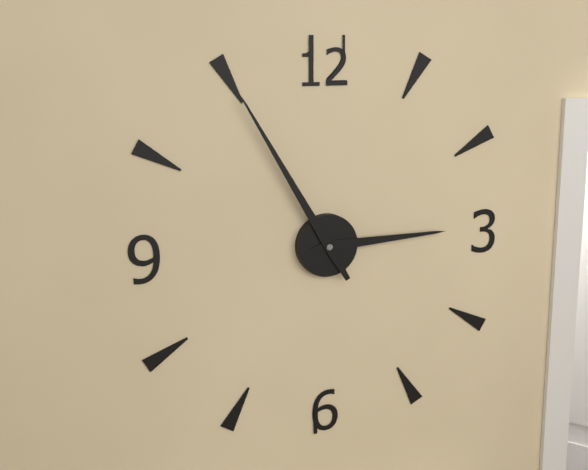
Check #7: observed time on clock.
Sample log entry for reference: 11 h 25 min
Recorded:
2 h 55 min
